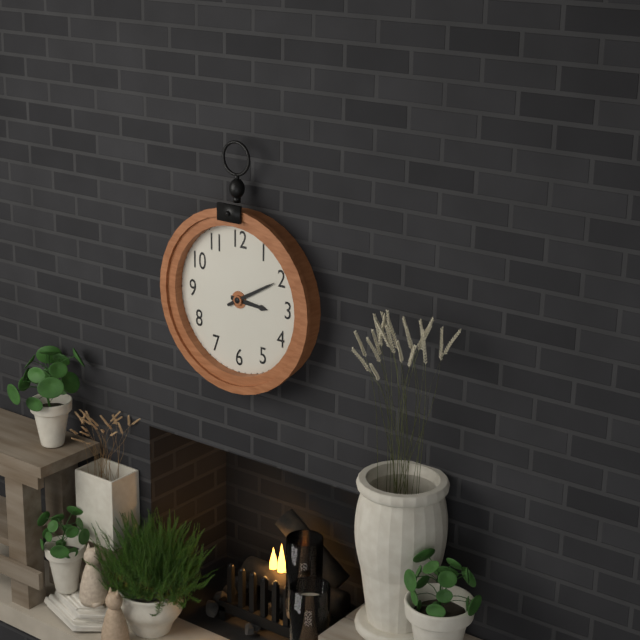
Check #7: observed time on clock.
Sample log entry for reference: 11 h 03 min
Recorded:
3 h 10 min
